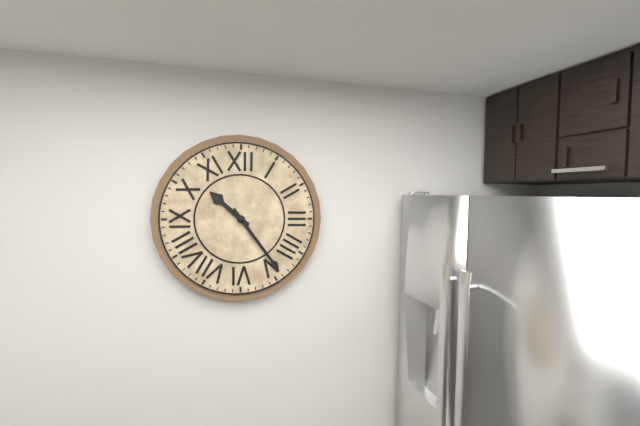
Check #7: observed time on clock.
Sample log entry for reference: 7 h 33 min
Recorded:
10 h 24 min
